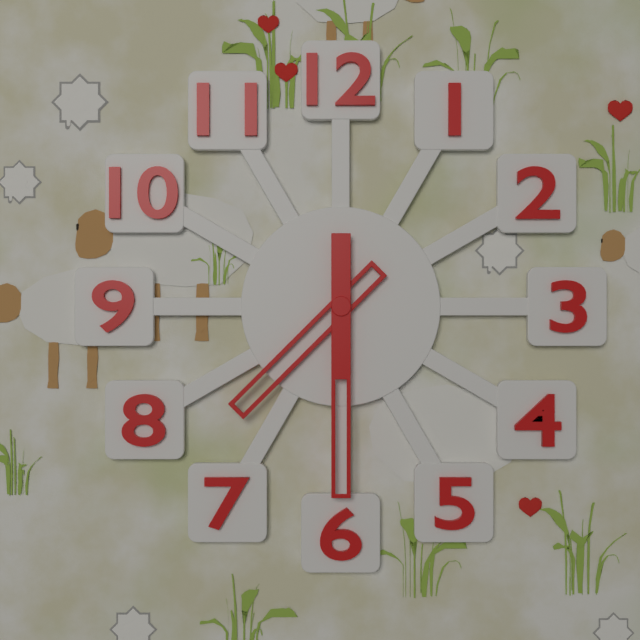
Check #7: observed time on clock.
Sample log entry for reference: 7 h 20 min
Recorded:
7 h 30 min
